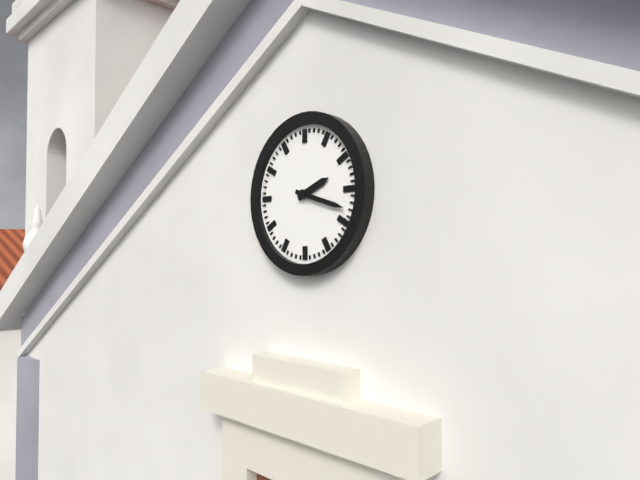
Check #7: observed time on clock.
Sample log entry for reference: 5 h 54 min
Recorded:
2 h 18 min
